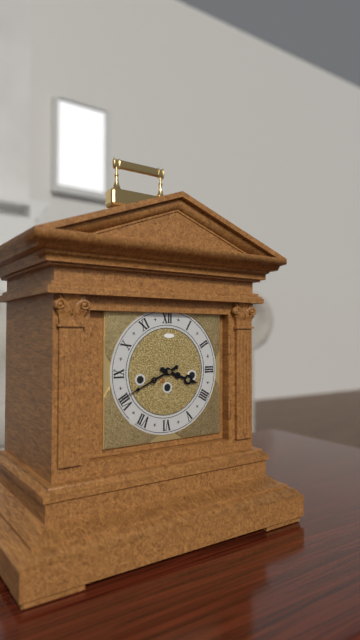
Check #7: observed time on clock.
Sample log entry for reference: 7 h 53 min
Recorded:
3 h 41 min
